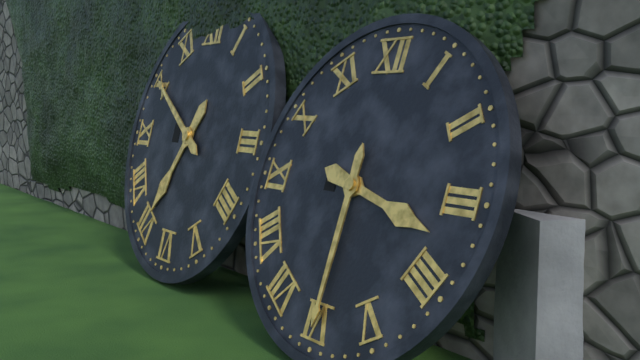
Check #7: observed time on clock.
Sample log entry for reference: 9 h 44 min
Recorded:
3 h 30 min
